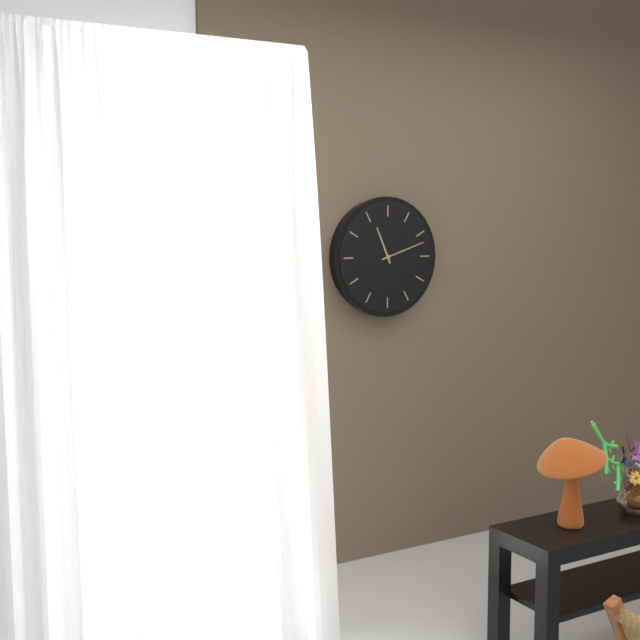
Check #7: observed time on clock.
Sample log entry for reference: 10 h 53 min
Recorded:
11 h 12 min
